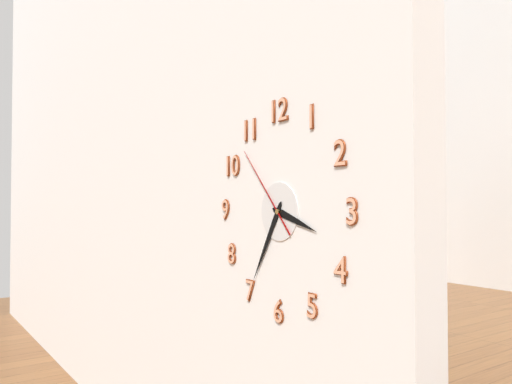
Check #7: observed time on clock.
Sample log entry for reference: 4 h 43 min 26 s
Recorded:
3 h 35 min 53 s
